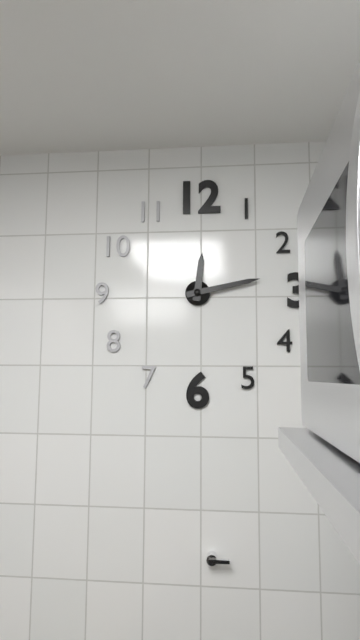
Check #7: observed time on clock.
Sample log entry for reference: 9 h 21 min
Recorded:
12 h 13 min
